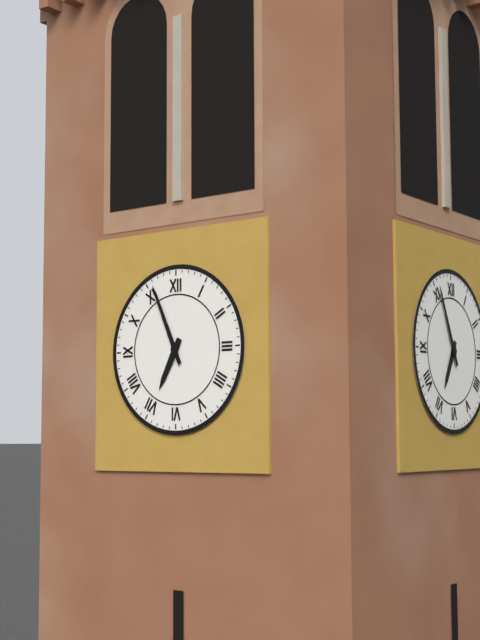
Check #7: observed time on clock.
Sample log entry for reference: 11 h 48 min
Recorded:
6 h 56 min
